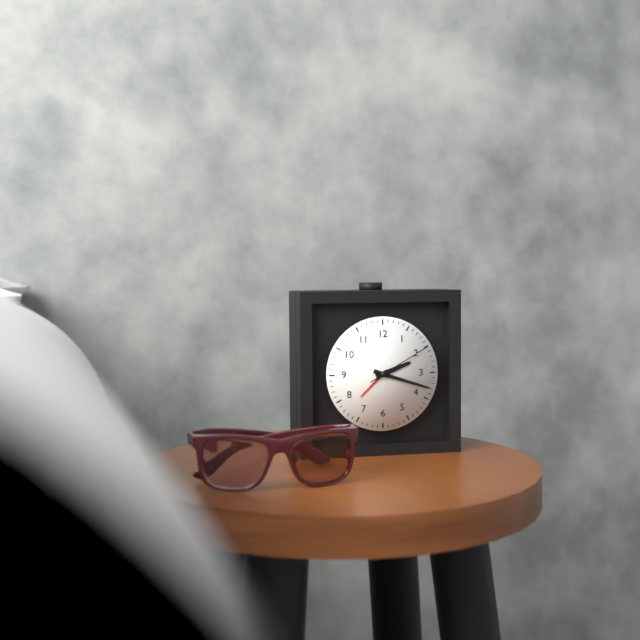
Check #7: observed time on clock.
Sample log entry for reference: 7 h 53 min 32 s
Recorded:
2 h 18 min 10 s
